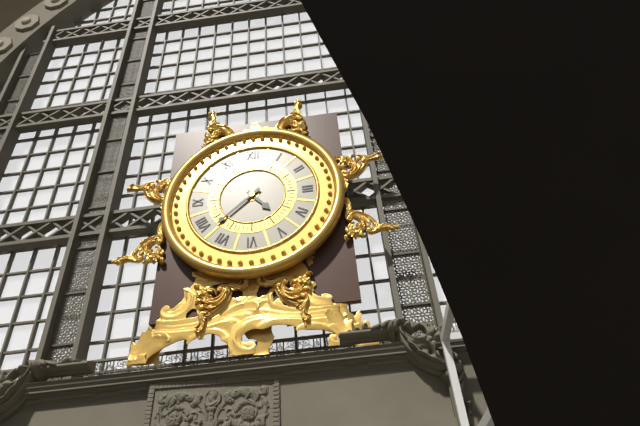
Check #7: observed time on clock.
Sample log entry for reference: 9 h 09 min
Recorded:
4 h 38 min
